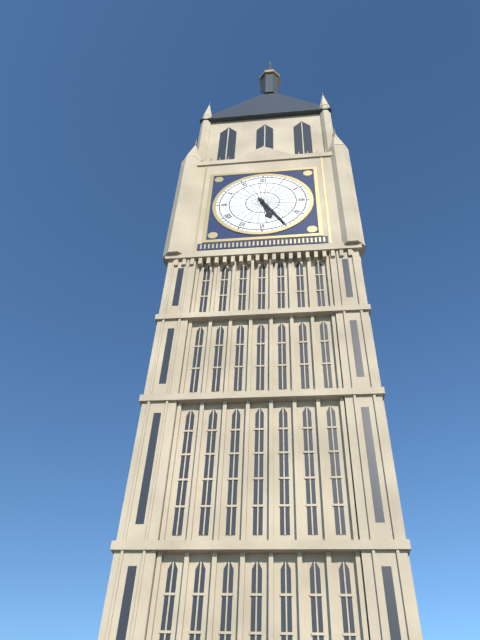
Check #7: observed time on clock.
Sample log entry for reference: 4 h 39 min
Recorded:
5 h 25 min
